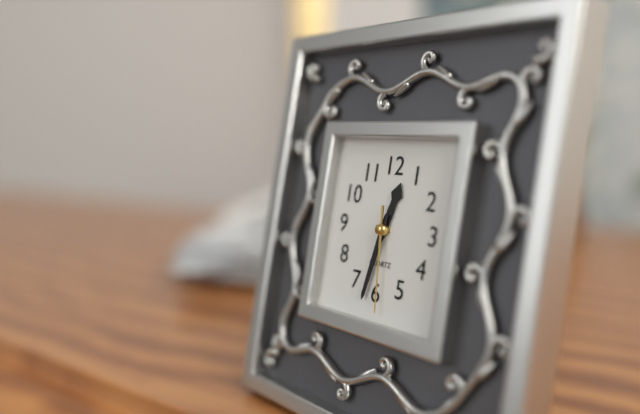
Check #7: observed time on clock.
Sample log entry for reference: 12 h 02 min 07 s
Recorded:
12 h 32 min 29 s
